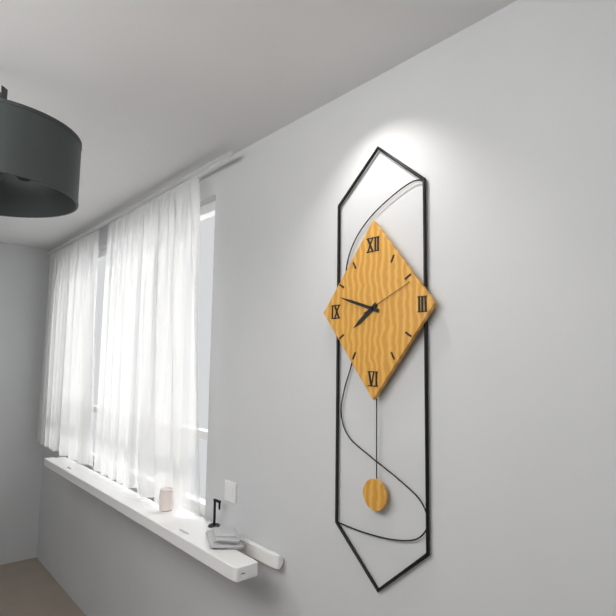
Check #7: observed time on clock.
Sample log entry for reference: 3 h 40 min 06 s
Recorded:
7 h 48 min 11 s
